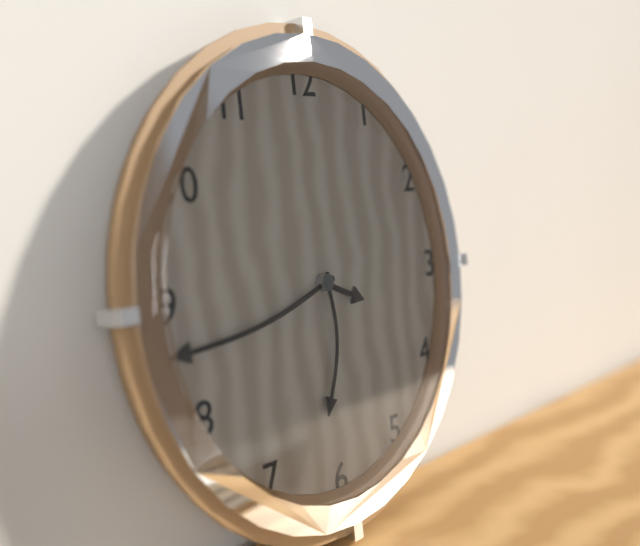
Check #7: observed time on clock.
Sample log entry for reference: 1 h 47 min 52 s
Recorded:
3 h 43 min 31 s
